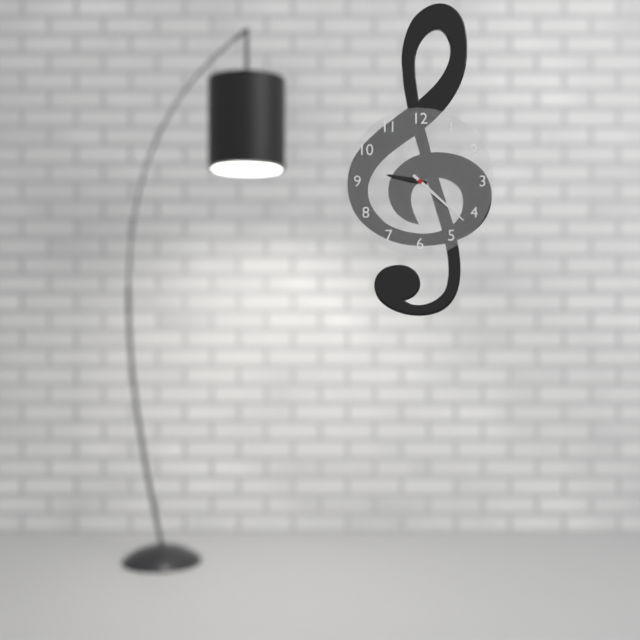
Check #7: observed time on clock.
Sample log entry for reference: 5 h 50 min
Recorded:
9 h 22 min
